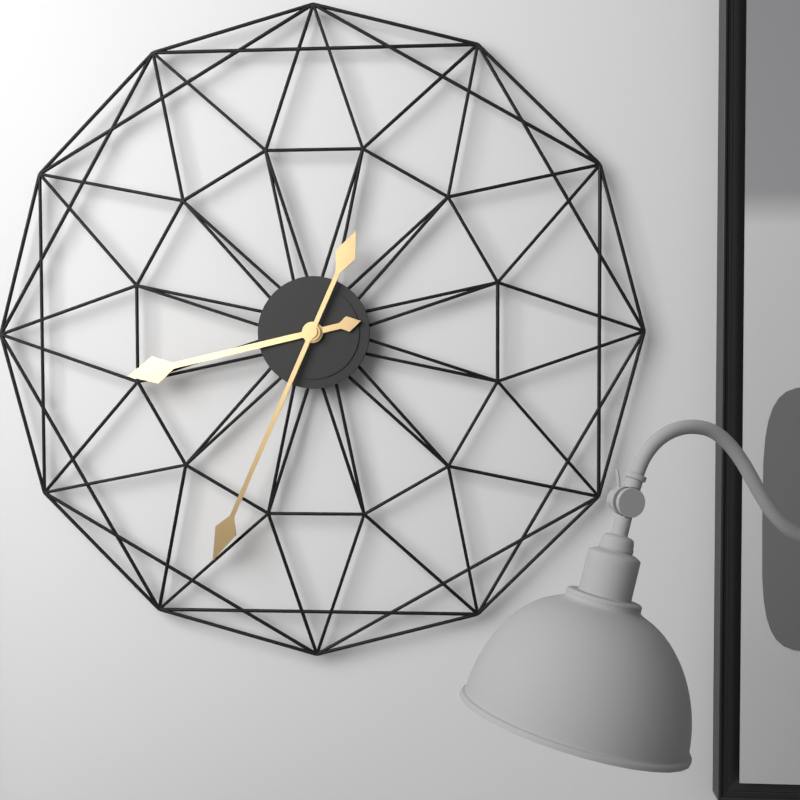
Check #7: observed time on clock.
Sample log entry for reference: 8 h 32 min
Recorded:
8 h 34 min
